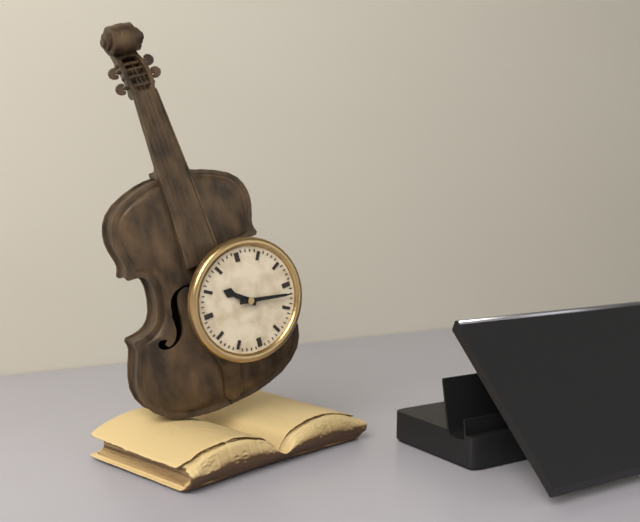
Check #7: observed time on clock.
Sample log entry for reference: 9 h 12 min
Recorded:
10 h 17 min
